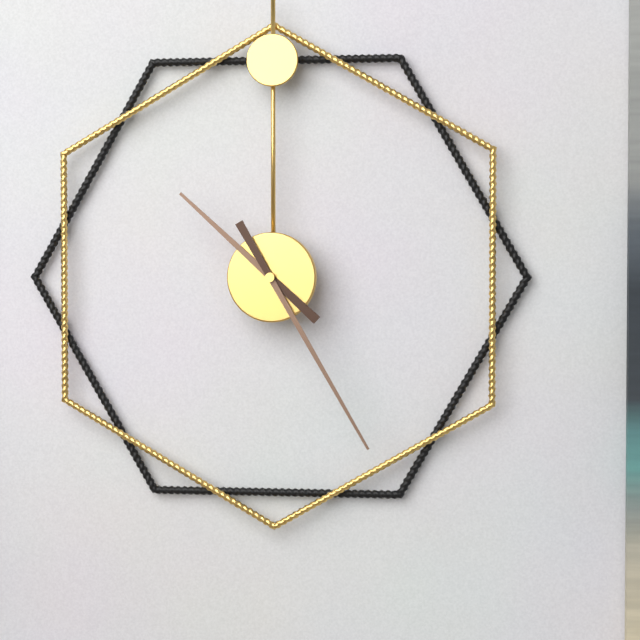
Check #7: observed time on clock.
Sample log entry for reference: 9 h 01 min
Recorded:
10 h 25 min
